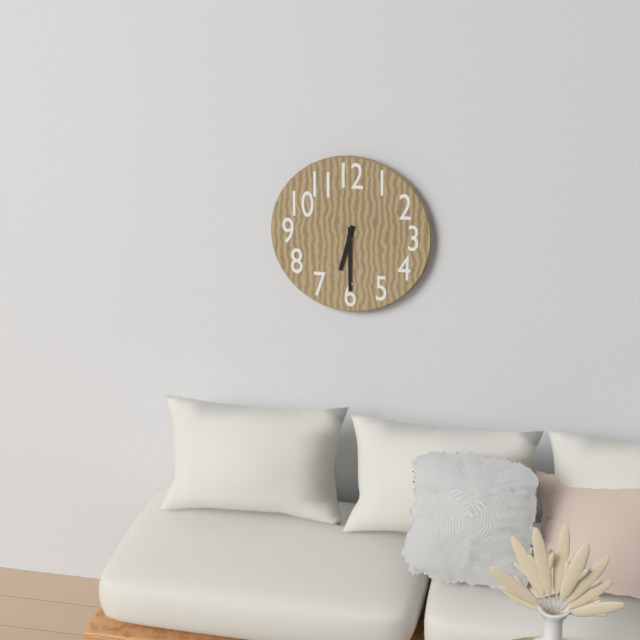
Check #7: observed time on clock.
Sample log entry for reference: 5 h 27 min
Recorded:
6 h 30 min
